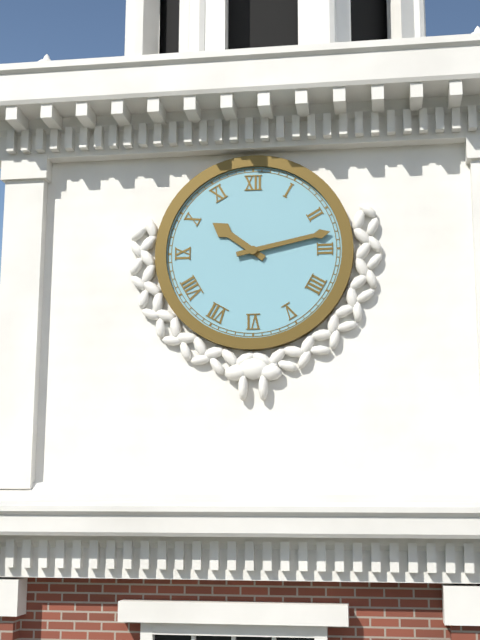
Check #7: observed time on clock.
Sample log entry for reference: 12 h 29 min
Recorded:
10 h 13 min
